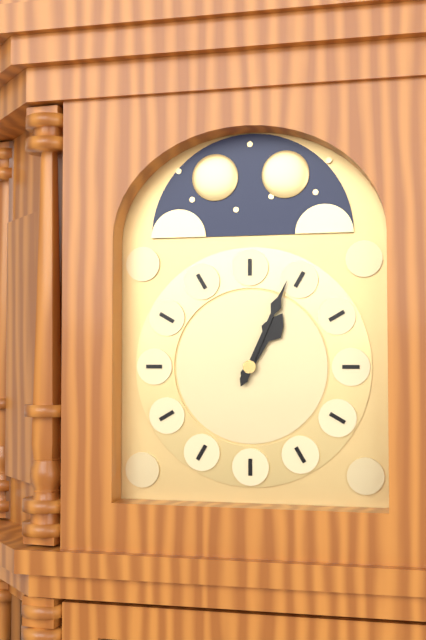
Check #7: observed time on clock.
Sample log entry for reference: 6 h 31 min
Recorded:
1 h 04 min
